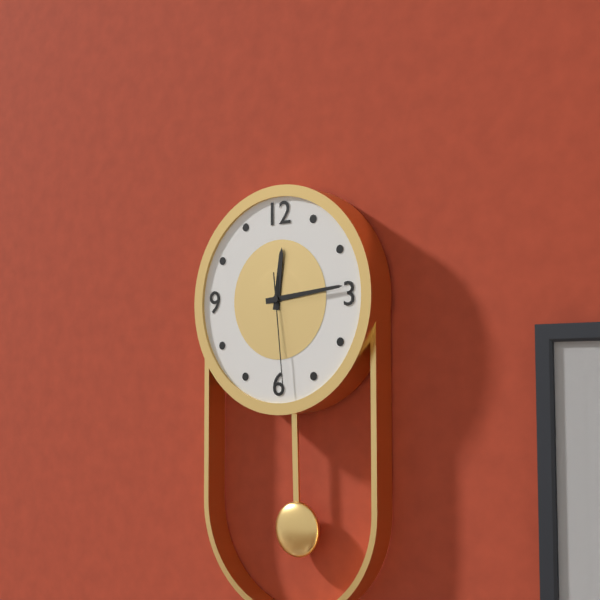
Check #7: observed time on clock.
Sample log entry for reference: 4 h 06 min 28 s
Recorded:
12 h 14 min 29 s
